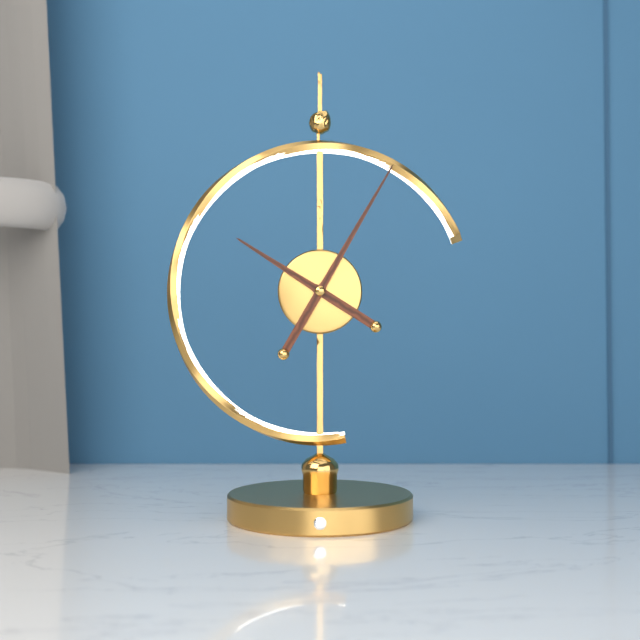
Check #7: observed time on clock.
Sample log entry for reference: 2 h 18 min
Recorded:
10 h 05 min
